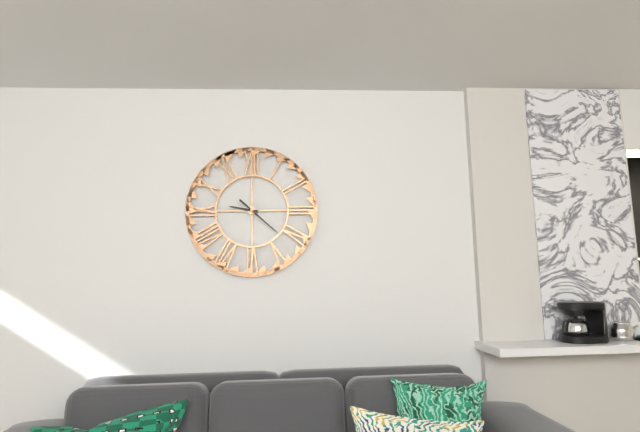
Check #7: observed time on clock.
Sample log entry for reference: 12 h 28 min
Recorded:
9 h 22 min
